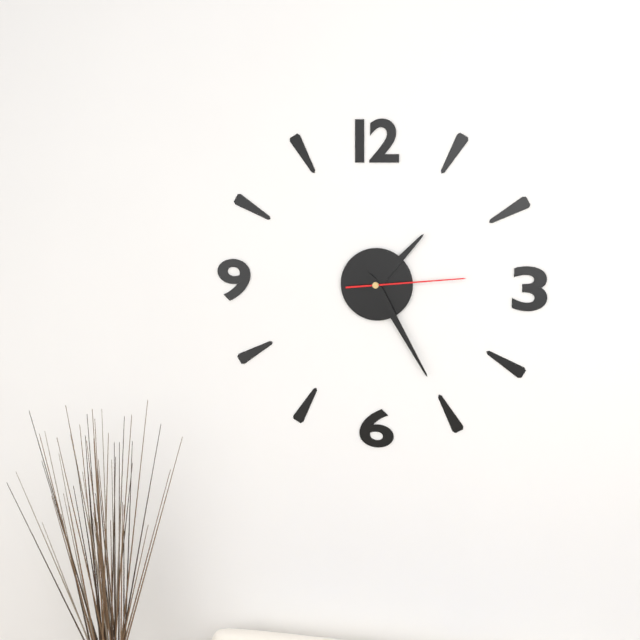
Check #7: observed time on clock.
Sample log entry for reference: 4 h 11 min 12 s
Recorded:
1 h 25 min 14 s
